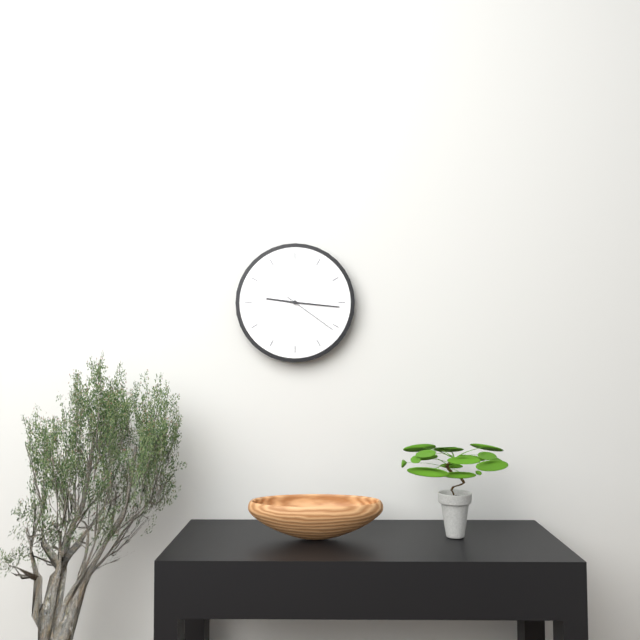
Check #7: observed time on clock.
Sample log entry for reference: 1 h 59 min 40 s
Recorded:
9 h 16 min 21 s
